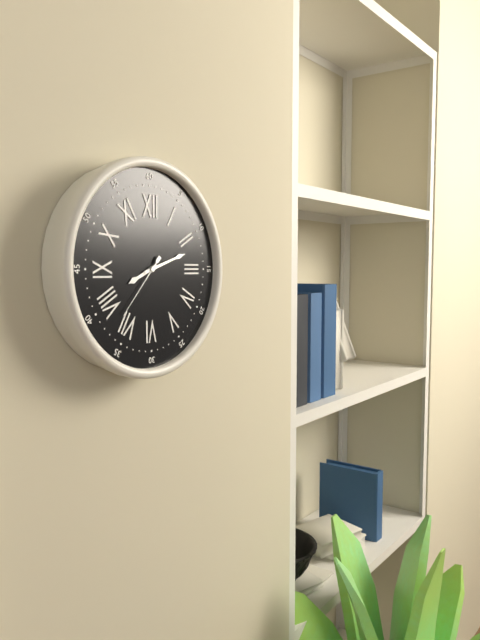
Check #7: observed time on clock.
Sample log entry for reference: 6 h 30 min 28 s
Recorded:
8 h 12 min 37 s
